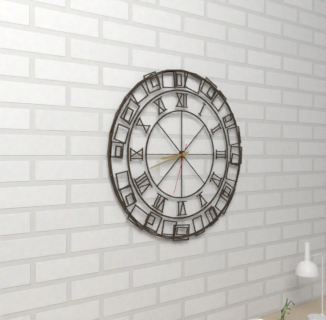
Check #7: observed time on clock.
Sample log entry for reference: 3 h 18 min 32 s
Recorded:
8 h 42 min 33 s
